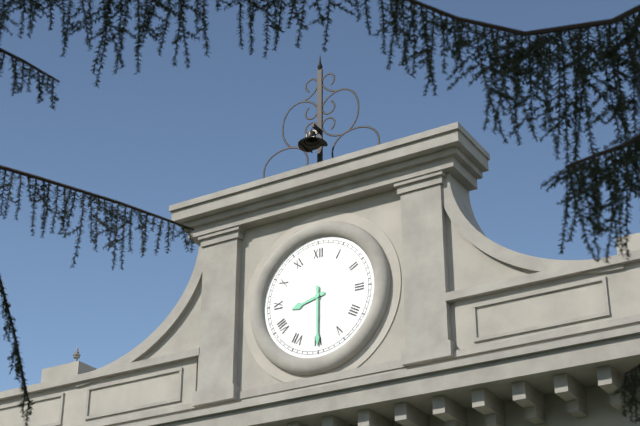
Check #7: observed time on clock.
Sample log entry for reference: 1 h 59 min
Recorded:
8 h 30 min
